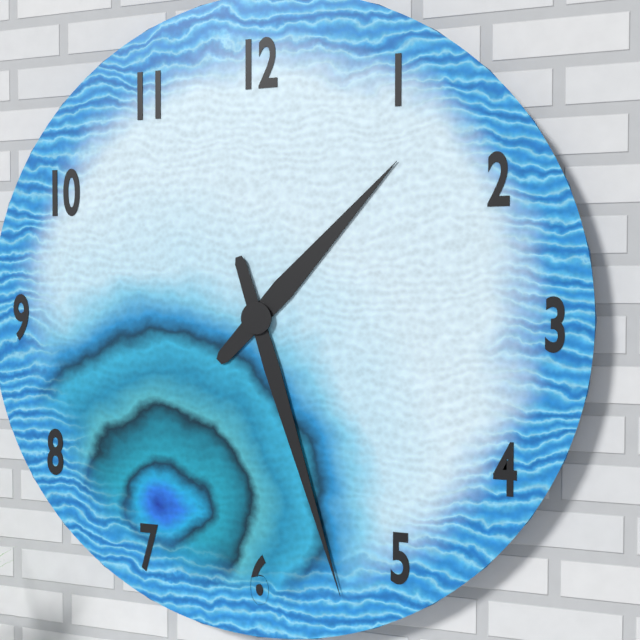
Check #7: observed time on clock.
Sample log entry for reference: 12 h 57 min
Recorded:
1 h 27 min
